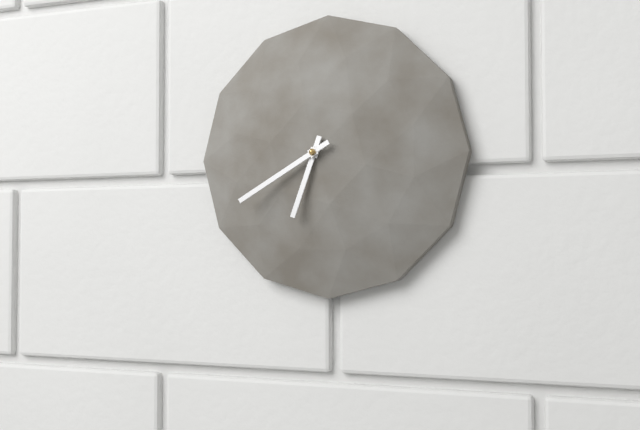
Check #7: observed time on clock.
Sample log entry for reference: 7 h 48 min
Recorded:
6 h 40 min
